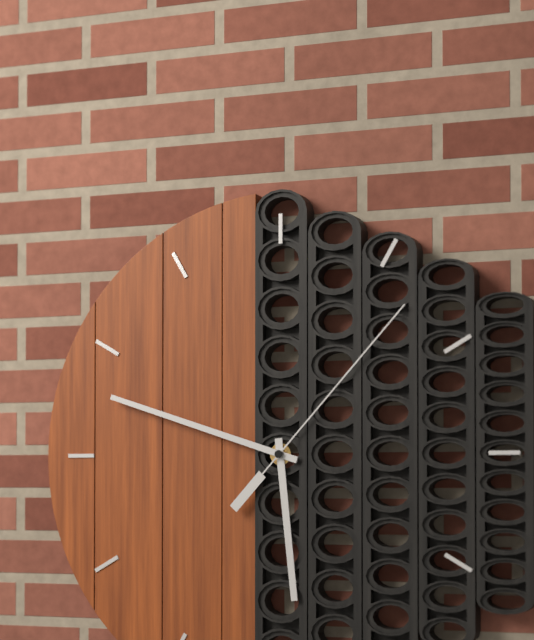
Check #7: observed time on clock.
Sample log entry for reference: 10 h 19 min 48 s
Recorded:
5 h 48 min 07 s
